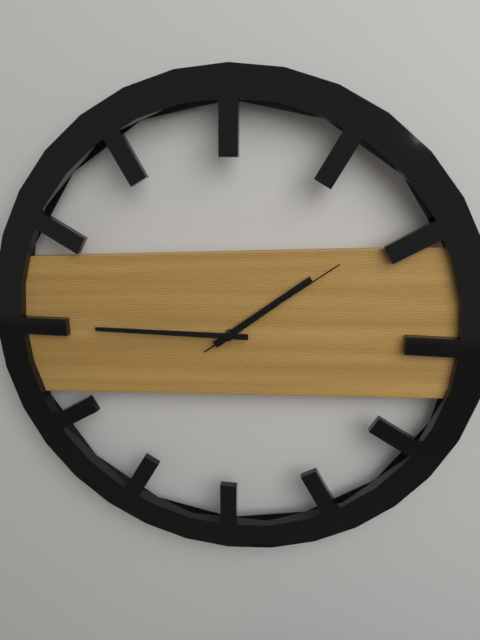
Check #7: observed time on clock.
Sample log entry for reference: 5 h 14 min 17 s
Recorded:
1 h 45 min 09 s
